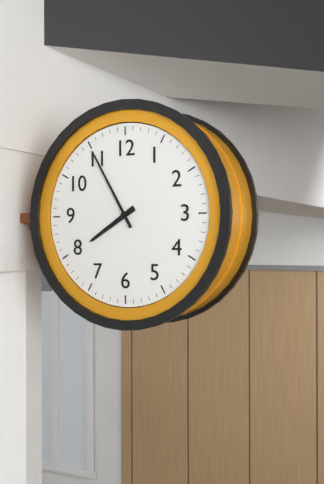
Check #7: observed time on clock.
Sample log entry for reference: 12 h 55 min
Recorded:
7 h 55 min
